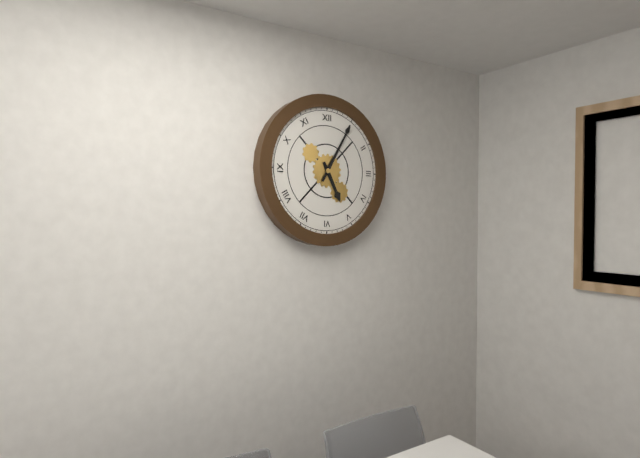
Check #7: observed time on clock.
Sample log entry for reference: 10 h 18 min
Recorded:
5 h 05 min
